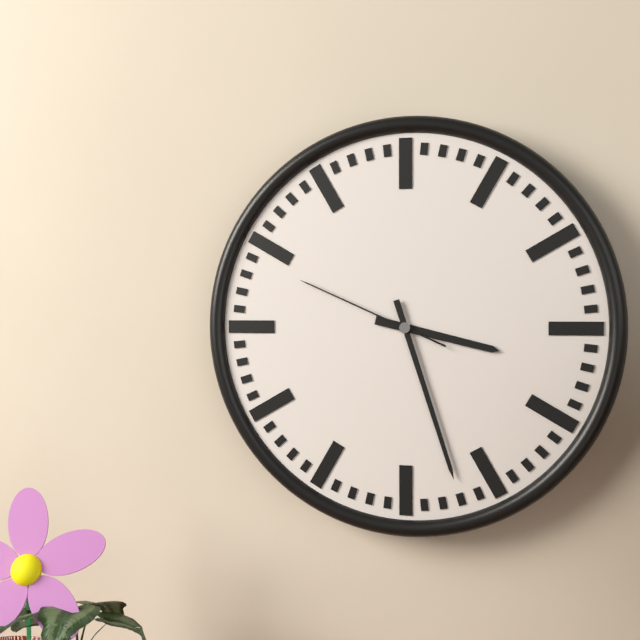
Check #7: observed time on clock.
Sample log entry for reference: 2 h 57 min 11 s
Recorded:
3 h 27 min 49 s
